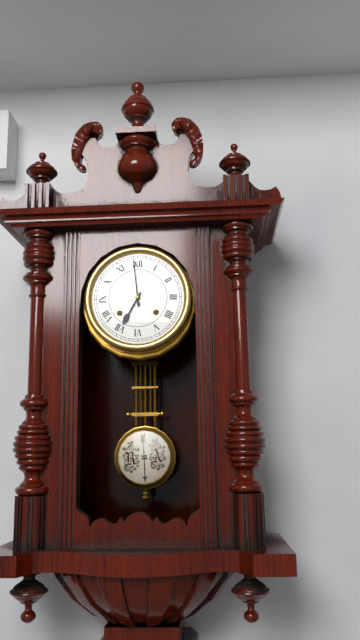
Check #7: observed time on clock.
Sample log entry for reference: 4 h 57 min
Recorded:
6 h 59 min
